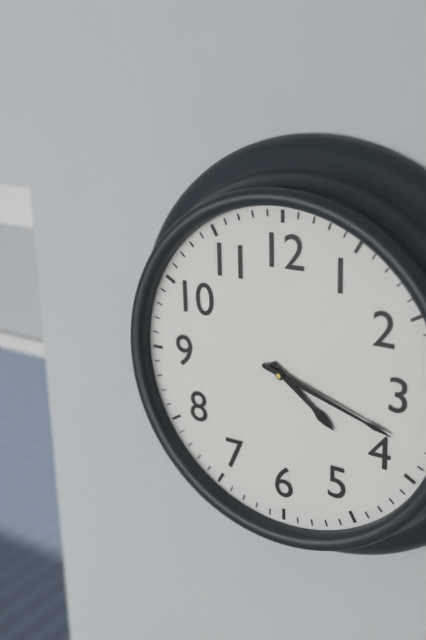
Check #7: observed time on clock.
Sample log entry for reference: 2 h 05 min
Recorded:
4 h 18 min
